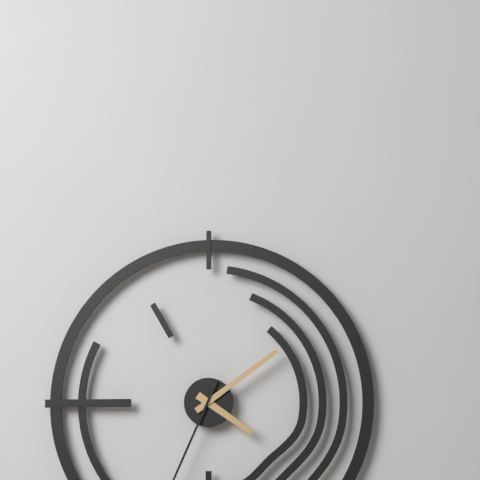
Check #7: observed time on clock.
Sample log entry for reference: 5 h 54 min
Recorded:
4 h 09 min
